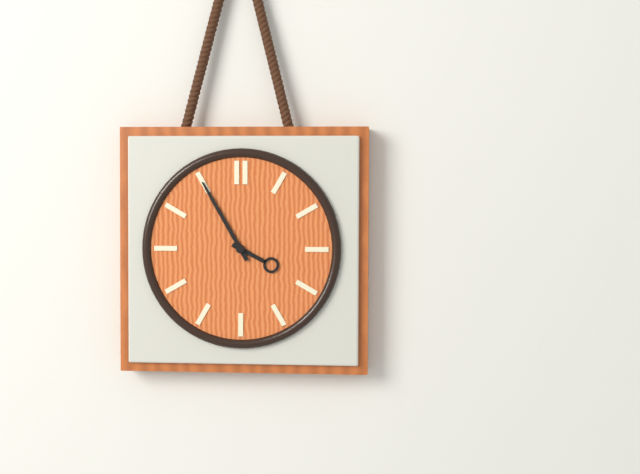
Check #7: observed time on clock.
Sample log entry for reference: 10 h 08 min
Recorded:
3 h 55 min
